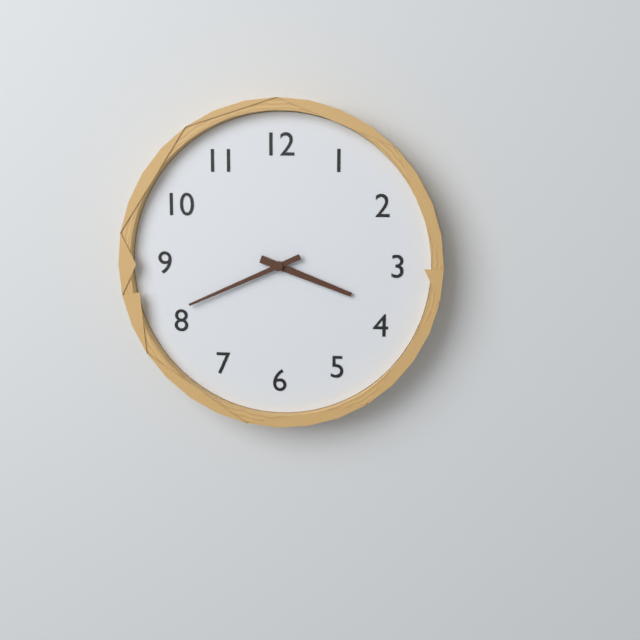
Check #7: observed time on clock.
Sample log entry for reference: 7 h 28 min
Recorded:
3 h 41 min
